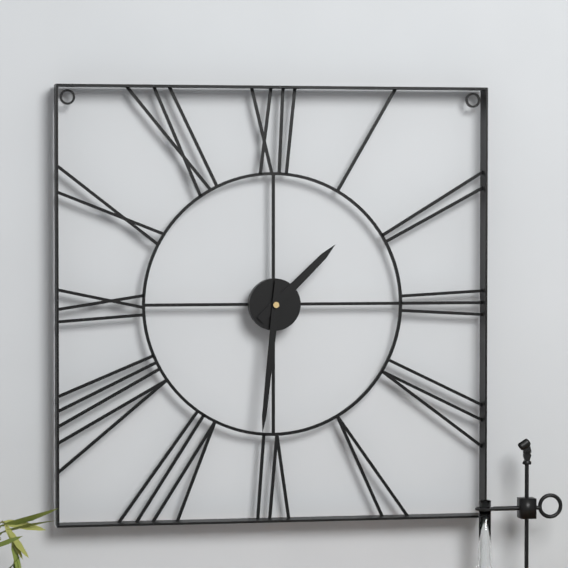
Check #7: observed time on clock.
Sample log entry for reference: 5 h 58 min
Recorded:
1 h 31 min
